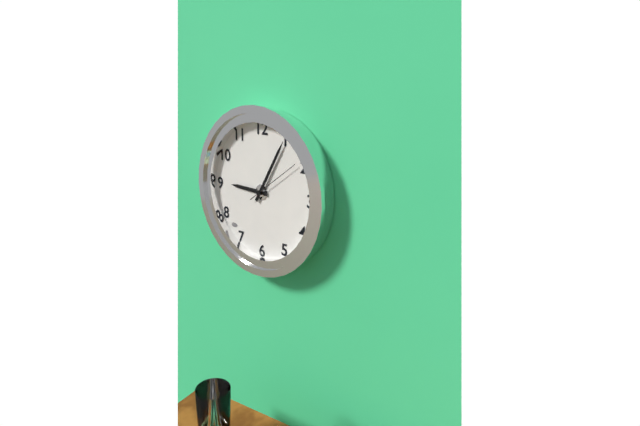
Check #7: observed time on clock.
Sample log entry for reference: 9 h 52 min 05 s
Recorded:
9 h 05 min 09 s
